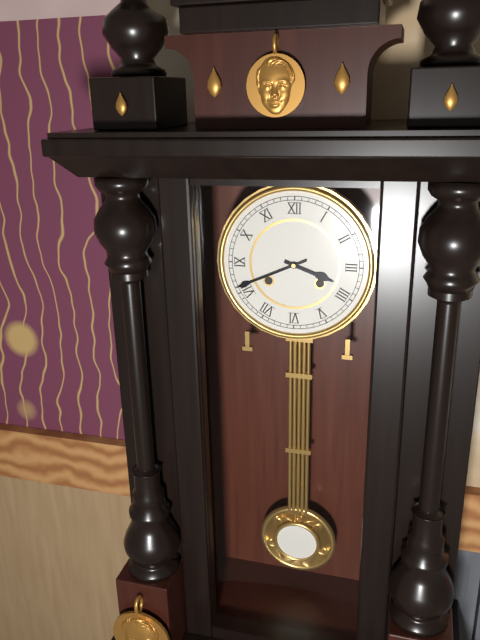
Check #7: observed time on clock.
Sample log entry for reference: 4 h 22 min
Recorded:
3 h 41 min
